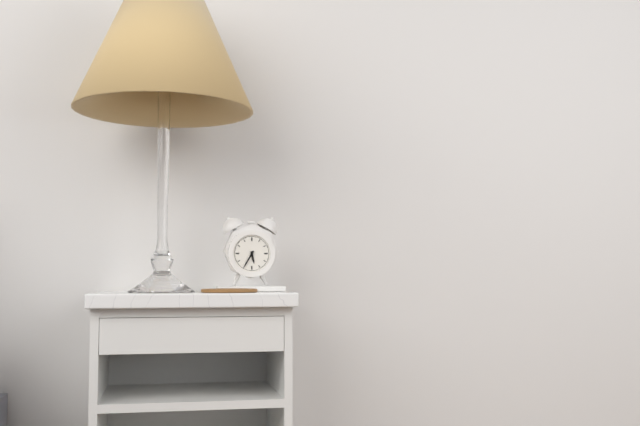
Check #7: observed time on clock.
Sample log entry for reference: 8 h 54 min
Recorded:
5 h 35 min
